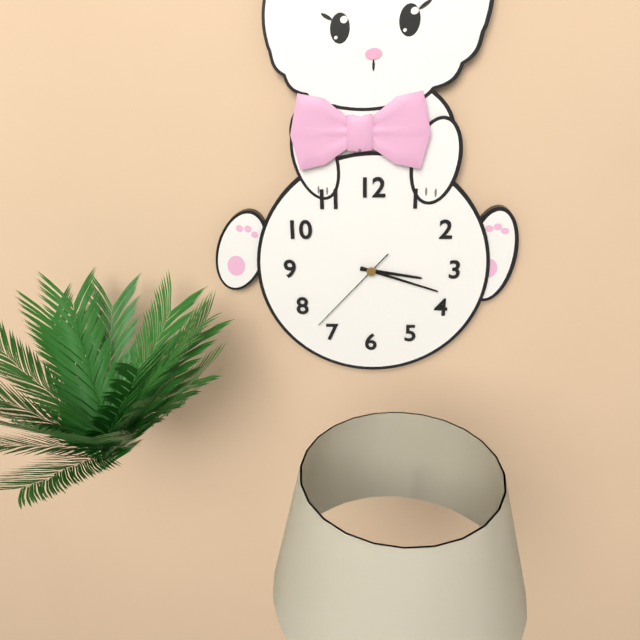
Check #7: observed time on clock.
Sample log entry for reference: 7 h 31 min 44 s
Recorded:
3 h 18 min 37 s
